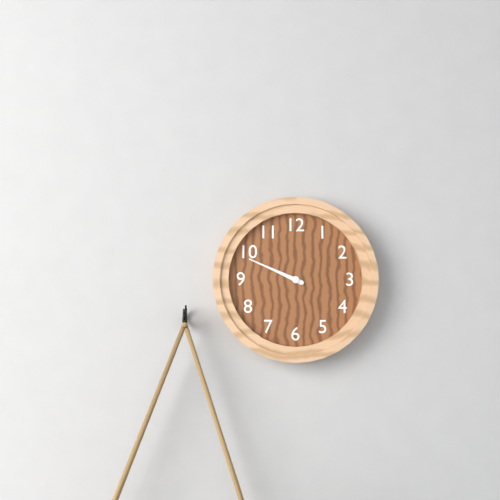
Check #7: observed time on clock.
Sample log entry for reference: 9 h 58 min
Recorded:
9 h 49 min
